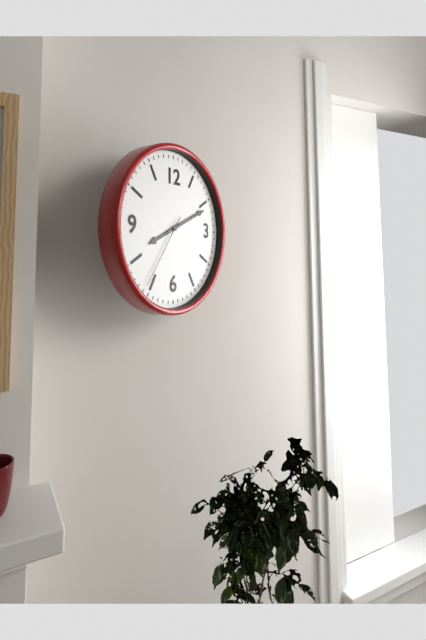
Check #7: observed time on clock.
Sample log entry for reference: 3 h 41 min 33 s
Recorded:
8 h 11 min 36 s
